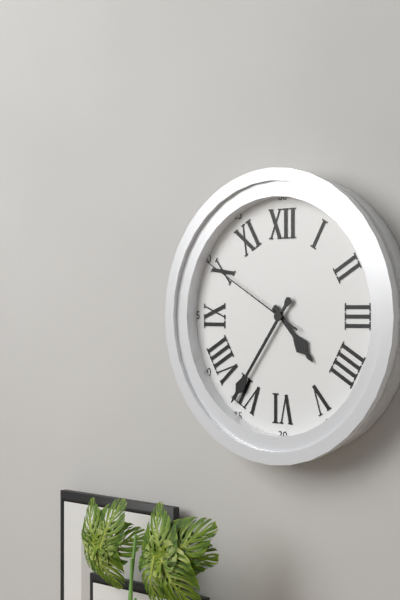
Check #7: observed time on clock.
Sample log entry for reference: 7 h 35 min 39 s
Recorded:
4 h 36 min 50 s
